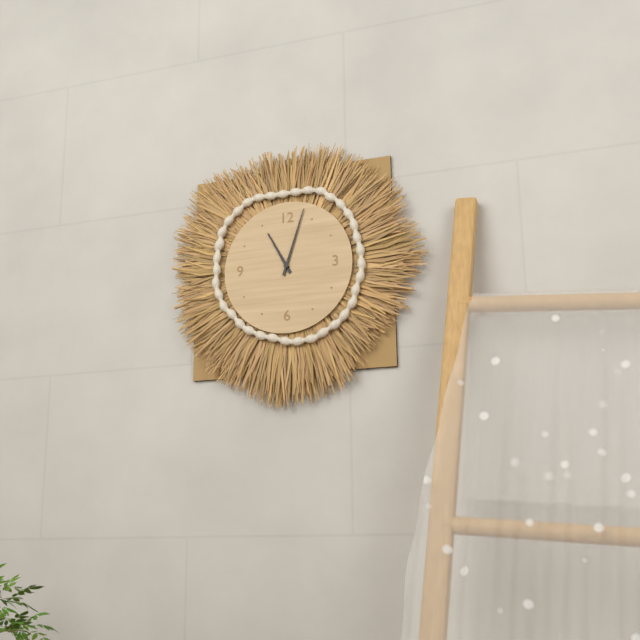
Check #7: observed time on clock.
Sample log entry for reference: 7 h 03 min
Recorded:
11 h 03 min
